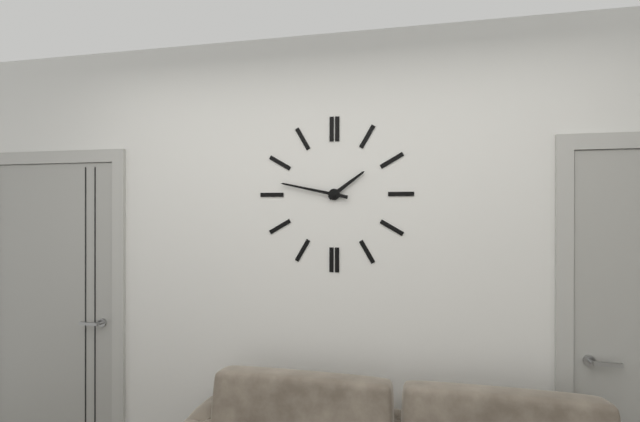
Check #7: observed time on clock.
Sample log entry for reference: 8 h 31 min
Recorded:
1 h 47 min
